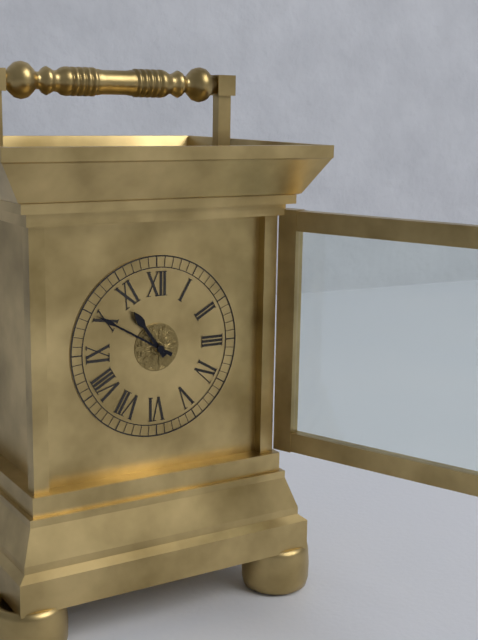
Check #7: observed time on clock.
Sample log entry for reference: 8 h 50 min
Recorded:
10 h 50 min
